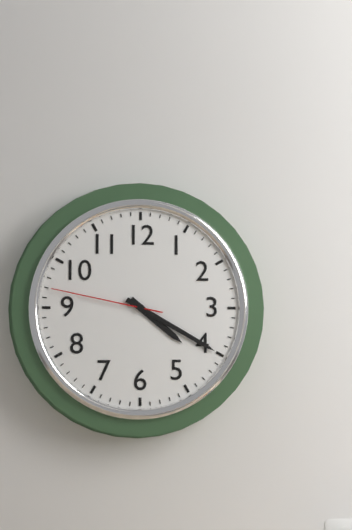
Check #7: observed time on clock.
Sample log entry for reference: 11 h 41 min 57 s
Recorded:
4 h 20 min 47 s
